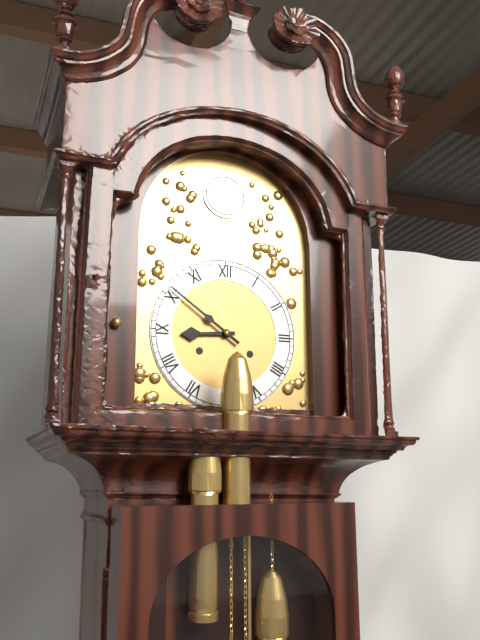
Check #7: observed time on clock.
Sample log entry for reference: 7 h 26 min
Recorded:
8 h 51 min
